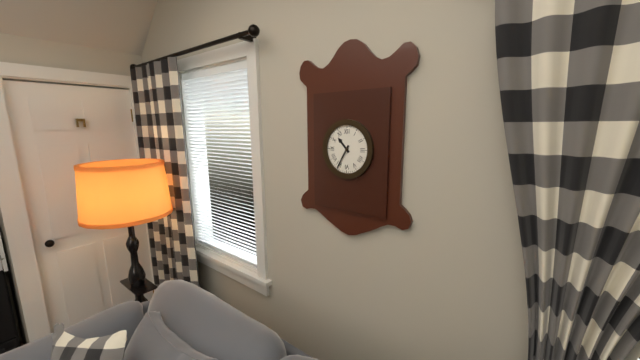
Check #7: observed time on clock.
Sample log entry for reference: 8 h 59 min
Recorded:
10 h 35 min
